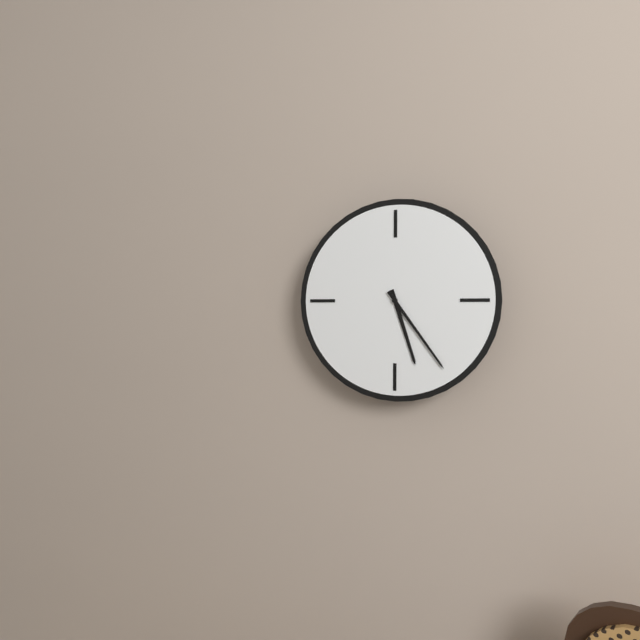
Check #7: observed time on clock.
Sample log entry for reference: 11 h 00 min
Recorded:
5 h 24 min
